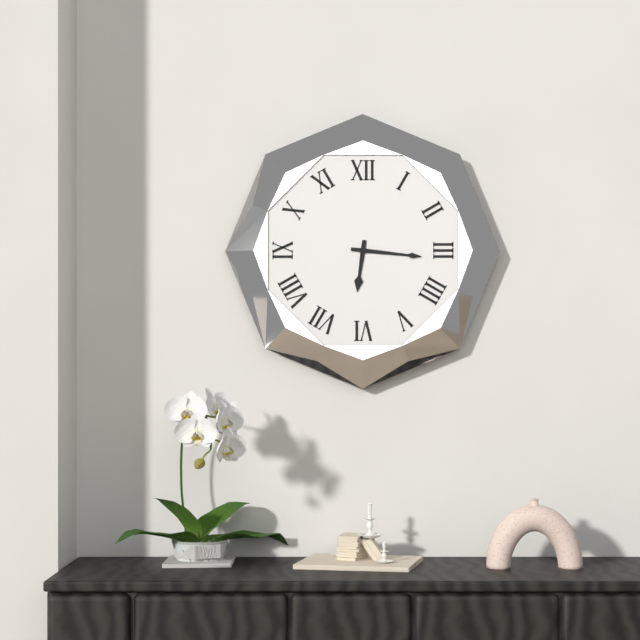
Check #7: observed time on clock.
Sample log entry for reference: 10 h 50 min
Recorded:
6 h 16 min
